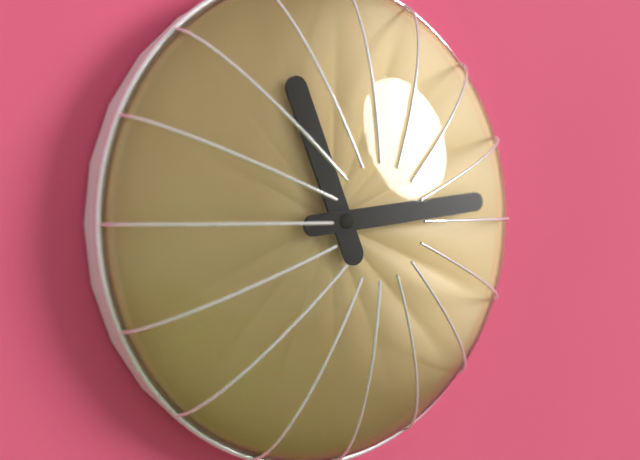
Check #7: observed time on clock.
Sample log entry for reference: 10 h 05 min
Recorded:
11 h 14 min
